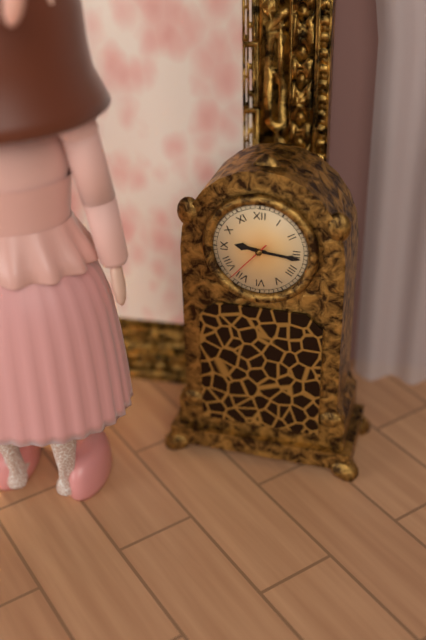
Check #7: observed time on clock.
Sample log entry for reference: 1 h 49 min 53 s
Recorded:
9 h 16 min 37 s
